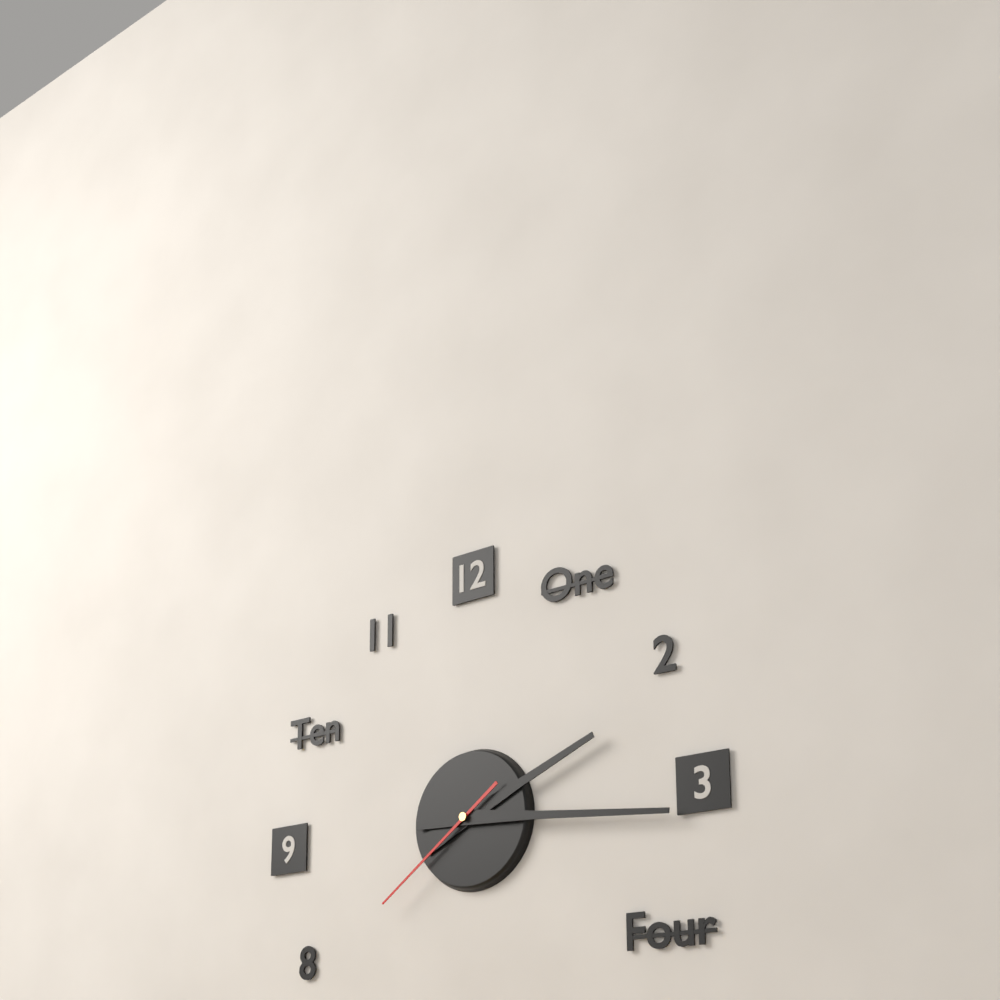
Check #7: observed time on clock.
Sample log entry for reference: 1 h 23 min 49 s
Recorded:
2 h 16 min 39 s
